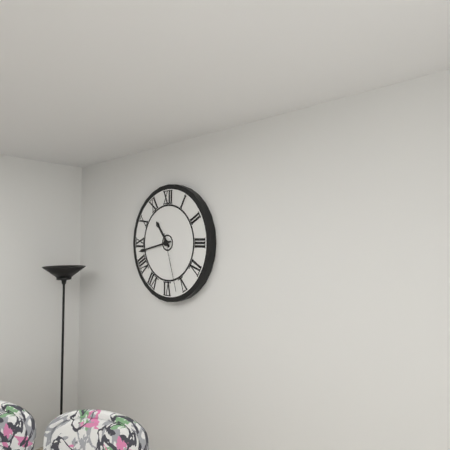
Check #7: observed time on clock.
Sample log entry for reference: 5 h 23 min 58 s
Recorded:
10 h 43 min 27 s
